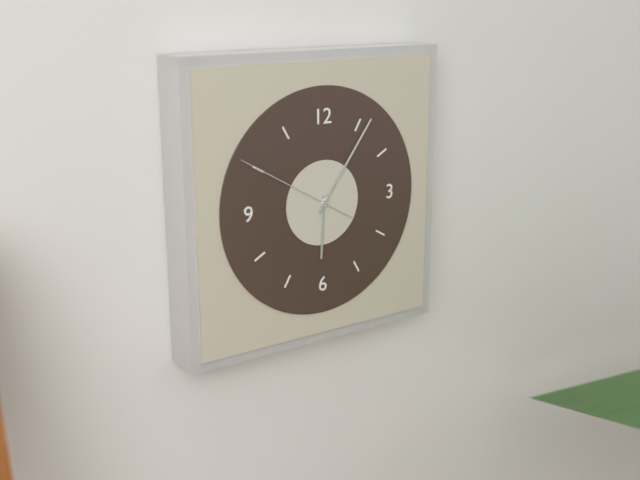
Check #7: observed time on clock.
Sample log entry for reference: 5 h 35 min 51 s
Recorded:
6 h 06 min 50 s
